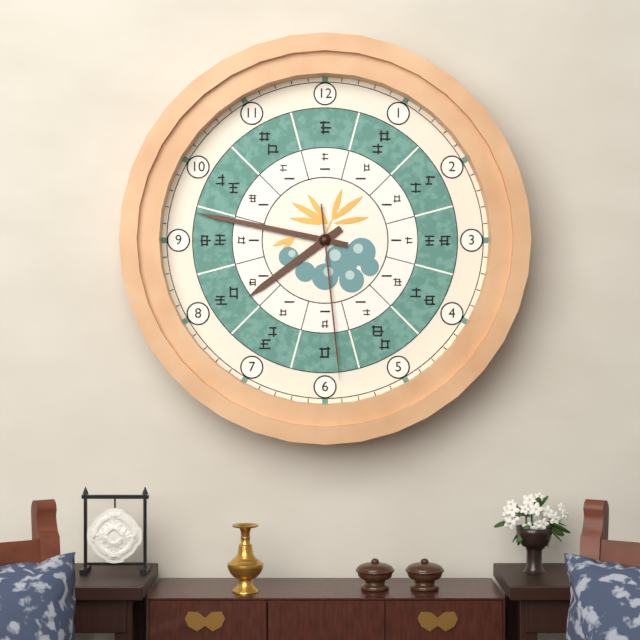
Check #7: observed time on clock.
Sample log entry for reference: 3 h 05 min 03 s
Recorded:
7 h 47 min 29 s
